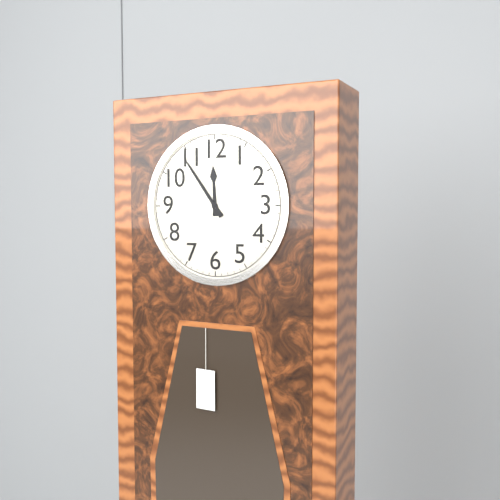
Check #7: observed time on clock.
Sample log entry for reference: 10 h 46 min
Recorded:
11 h 54 min
